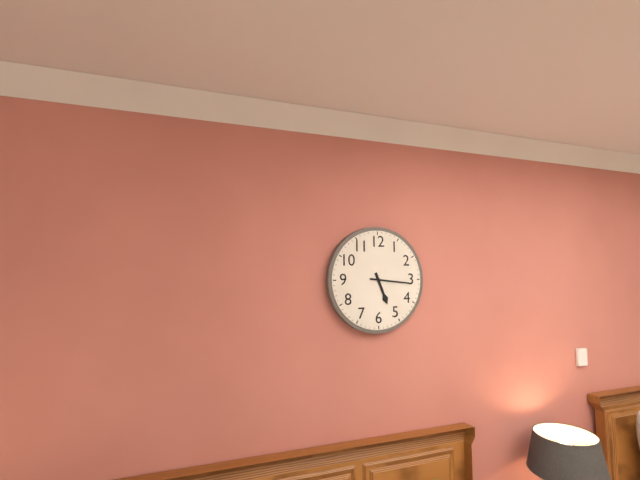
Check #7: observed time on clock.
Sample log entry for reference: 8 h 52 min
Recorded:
5 h 16 min
